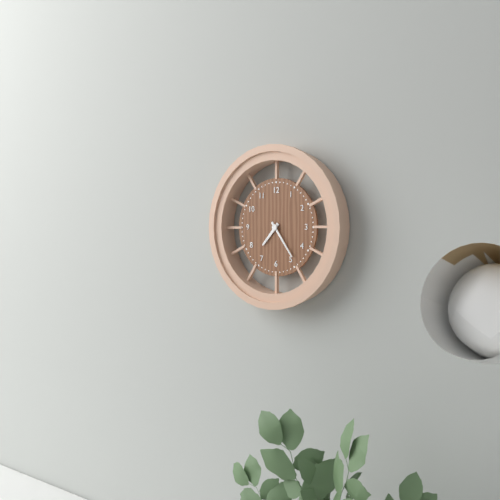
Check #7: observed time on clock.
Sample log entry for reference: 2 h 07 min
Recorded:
7 h 24 min
